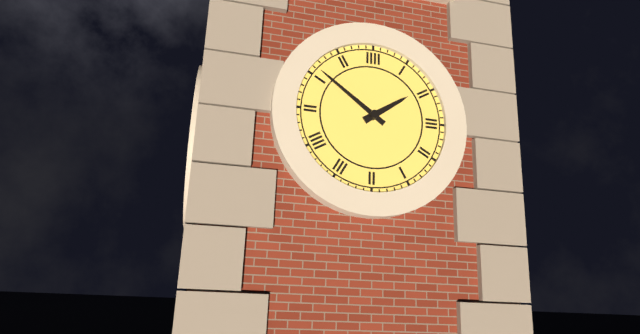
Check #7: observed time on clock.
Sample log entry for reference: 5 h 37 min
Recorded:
1 h 51 min
